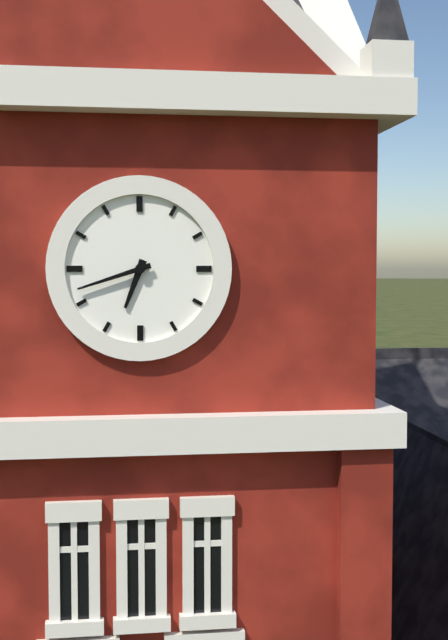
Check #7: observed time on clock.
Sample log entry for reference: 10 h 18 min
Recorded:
6 h 42 min
